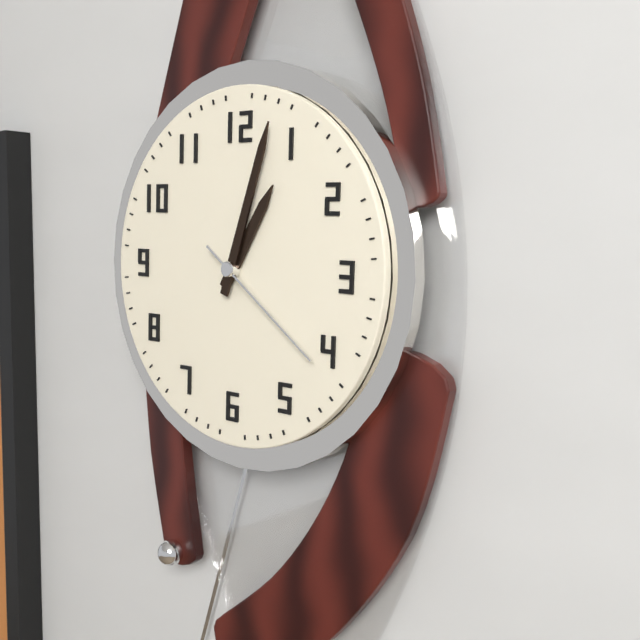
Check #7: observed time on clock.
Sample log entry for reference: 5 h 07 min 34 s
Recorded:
1 h 03 min 21 s
